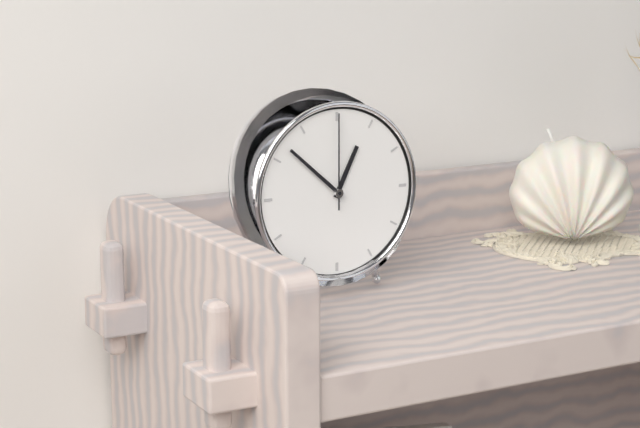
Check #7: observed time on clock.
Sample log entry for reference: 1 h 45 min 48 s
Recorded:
12 h 52 min 00 s
